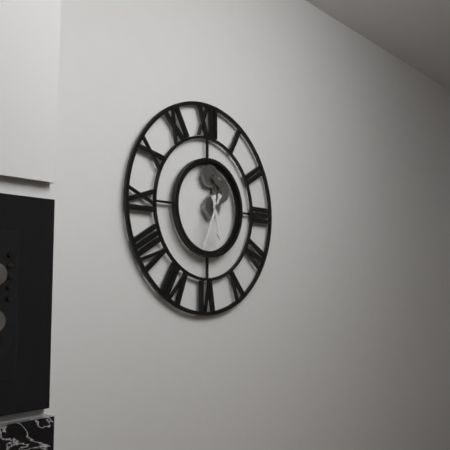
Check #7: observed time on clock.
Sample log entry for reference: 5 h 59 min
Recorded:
5 h 34 min
